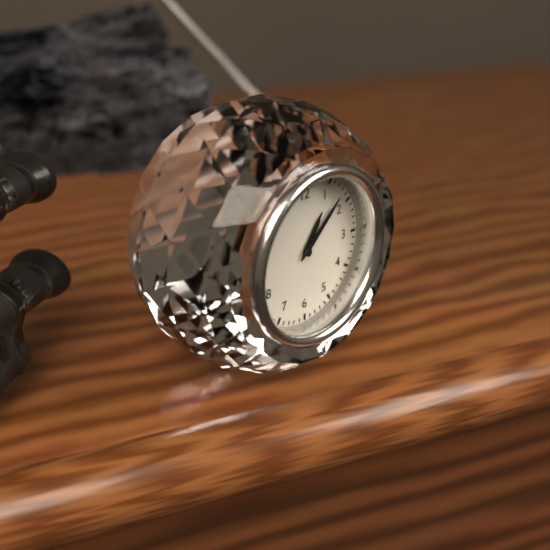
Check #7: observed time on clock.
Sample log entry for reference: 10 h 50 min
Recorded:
1 h 08 min
